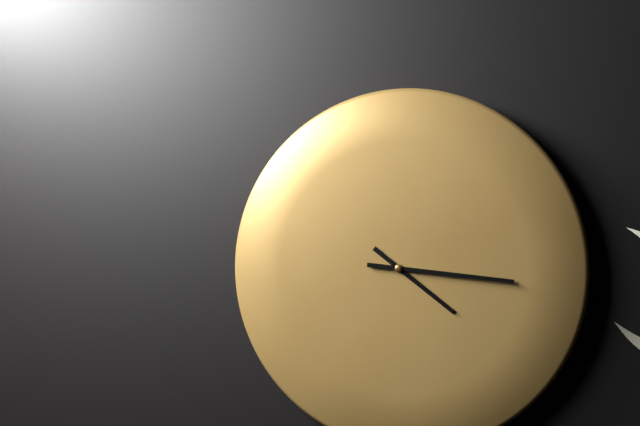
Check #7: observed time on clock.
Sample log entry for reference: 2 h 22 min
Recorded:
4 h 16 min
